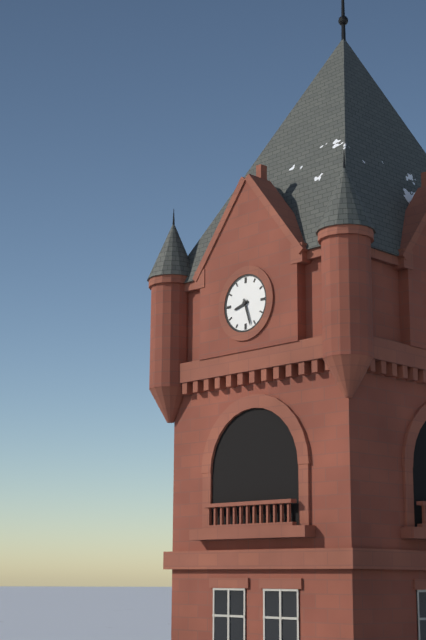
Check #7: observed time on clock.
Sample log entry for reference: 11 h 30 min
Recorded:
8 h 27 min
